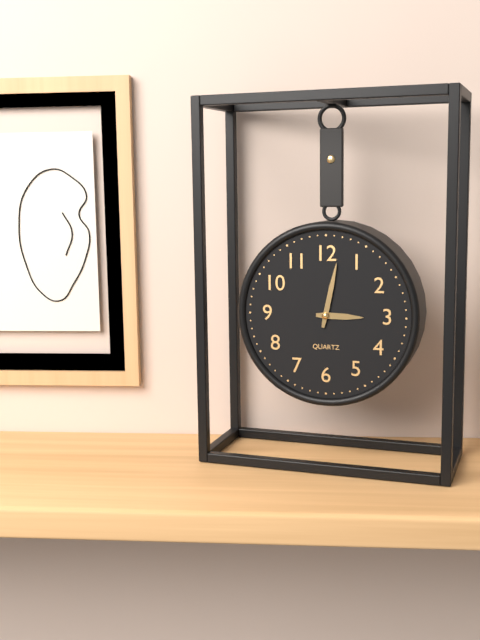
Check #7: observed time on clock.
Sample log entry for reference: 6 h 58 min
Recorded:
3 h 02 min
